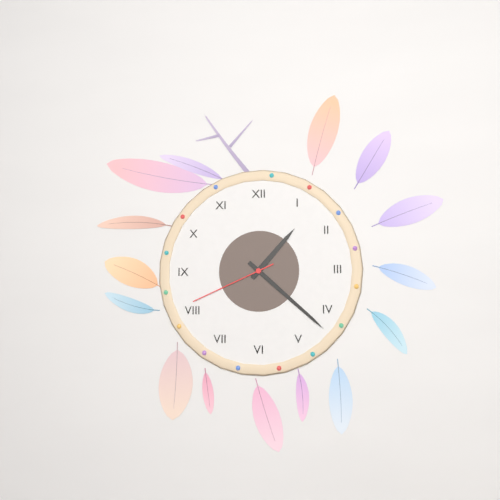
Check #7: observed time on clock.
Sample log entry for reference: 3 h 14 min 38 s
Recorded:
1 h 22 min 41 s
